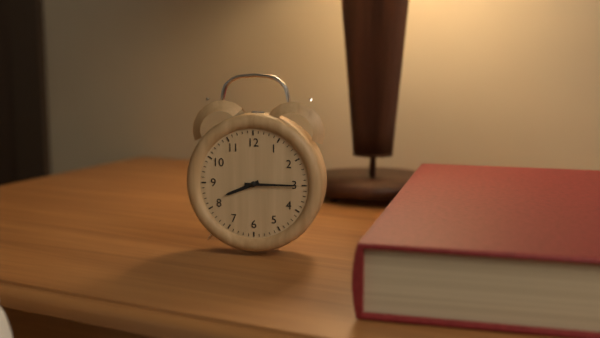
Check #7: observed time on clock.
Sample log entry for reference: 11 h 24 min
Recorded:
8 h 15 min
